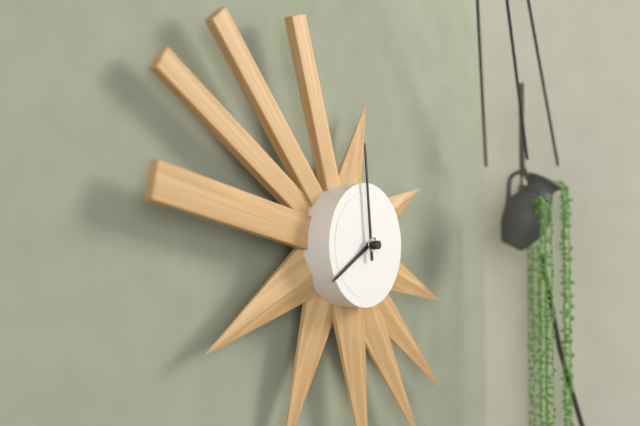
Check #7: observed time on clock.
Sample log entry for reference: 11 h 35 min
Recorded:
7 h 59 min
